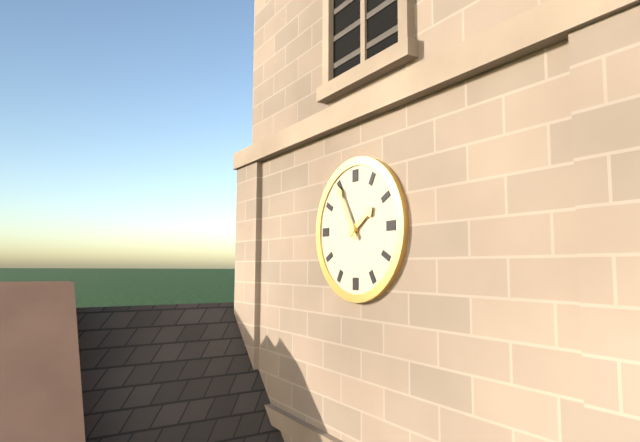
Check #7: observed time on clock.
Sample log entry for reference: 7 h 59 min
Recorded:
1 h 55 min
